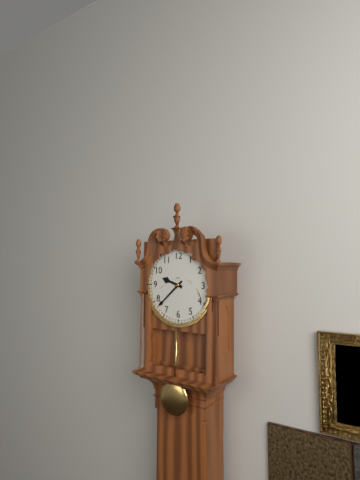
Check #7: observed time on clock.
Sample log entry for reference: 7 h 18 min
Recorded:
9 h 38 min
